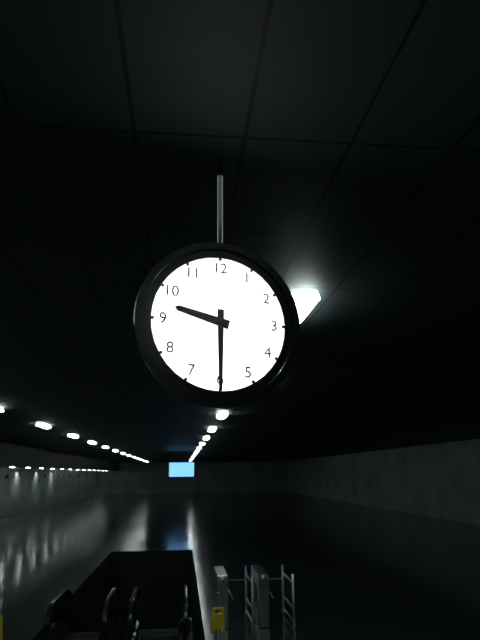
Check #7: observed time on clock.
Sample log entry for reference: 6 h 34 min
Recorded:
9 h 30 min
